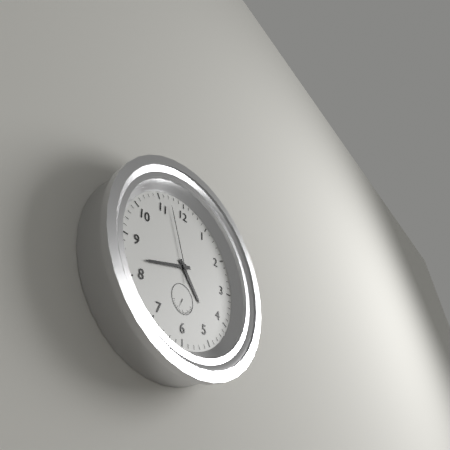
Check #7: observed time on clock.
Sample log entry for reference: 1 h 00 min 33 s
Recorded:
4 h 42 min 57 s
